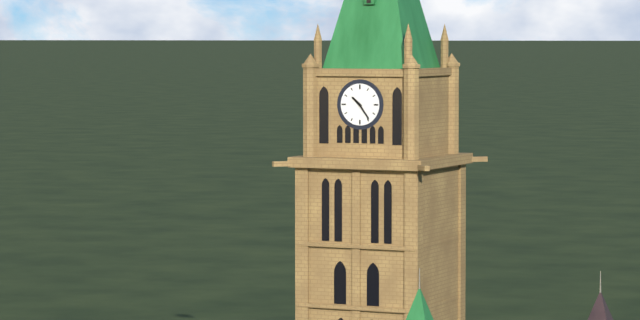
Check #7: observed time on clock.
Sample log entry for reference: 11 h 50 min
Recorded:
10 h 24 min
